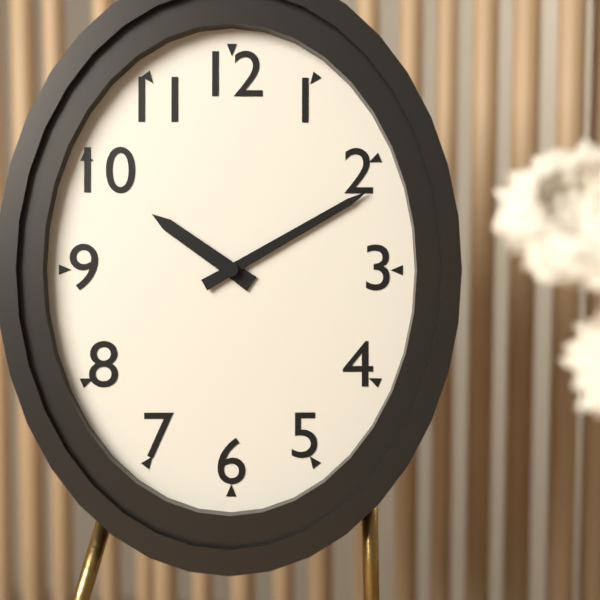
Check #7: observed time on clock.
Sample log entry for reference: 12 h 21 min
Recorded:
10 h 10 min
